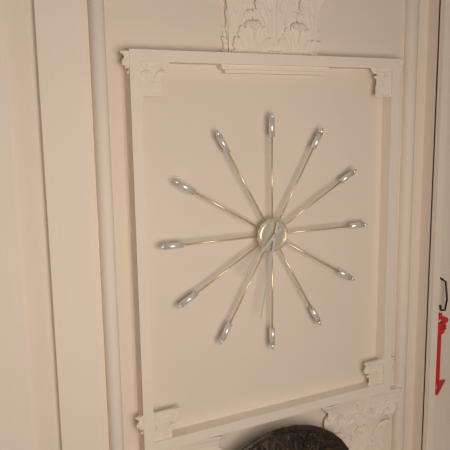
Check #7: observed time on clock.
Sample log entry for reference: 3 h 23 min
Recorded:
7 h 32 min
